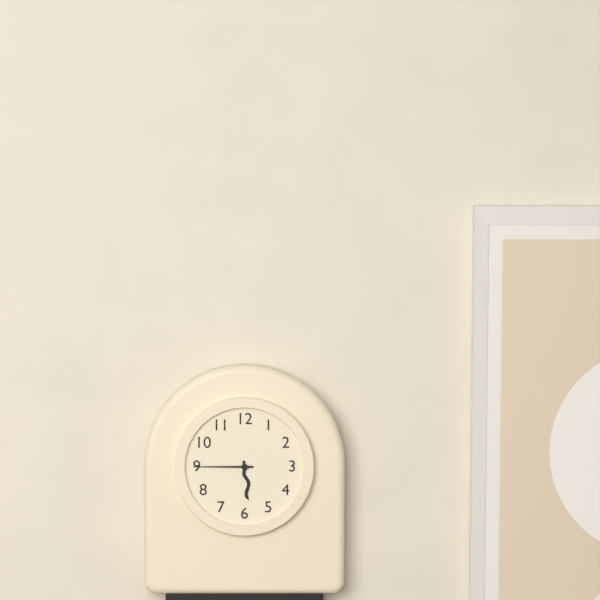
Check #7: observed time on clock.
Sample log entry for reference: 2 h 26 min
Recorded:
5 h 45 min
